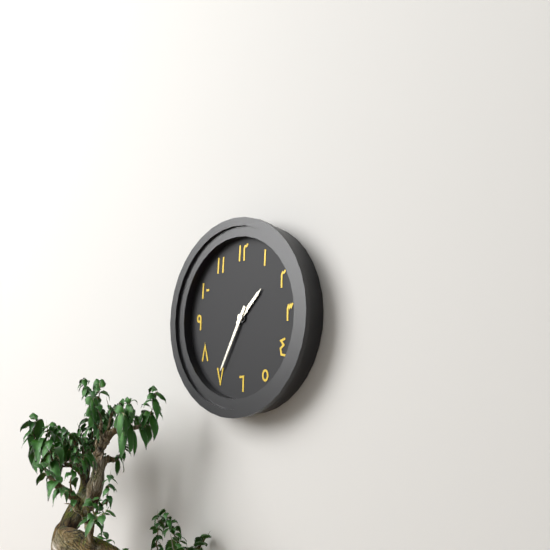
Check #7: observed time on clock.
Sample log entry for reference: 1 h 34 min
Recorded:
1 h 35 min
